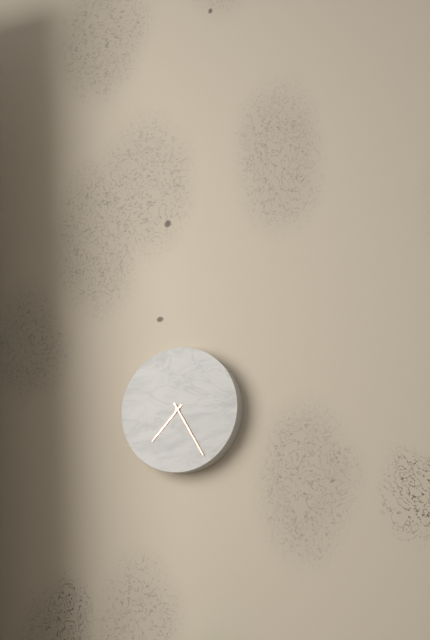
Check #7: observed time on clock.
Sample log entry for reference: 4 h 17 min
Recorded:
7 h 25 min
